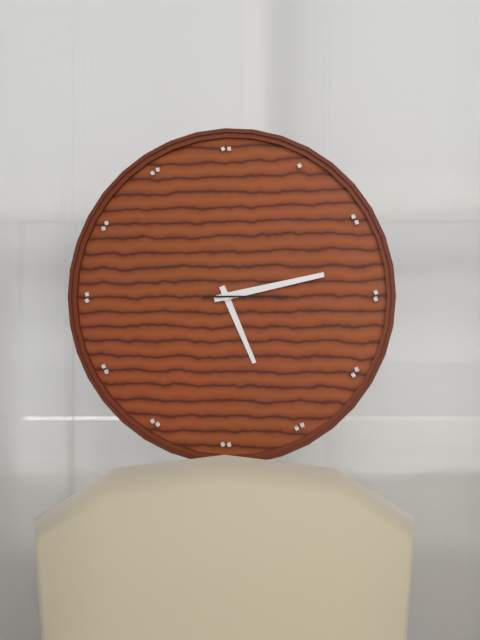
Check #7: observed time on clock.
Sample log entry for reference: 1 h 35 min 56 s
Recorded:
5 h 13 min 15 s
